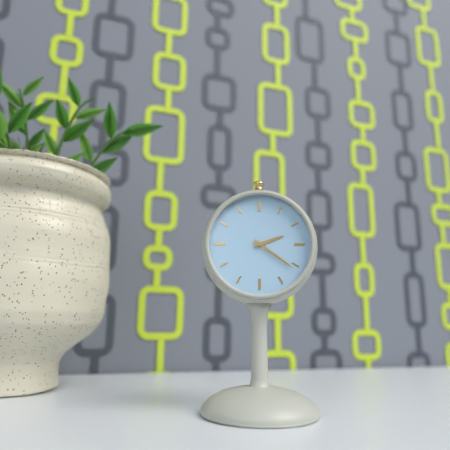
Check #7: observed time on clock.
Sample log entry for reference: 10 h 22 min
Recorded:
2 h 21 min
